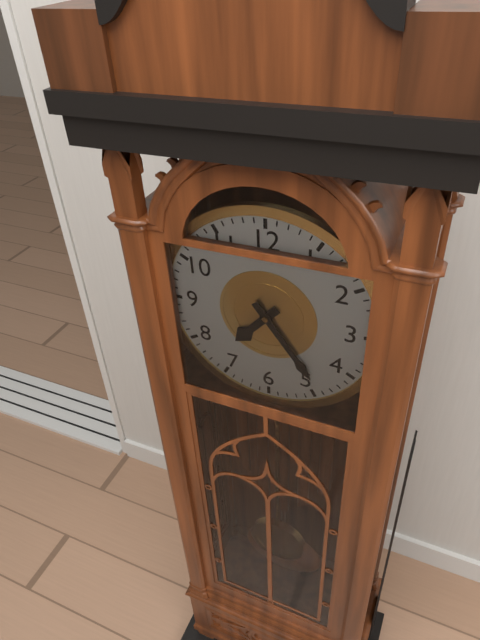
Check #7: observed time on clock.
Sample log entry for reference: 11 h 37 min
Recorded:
7 h 24 min
